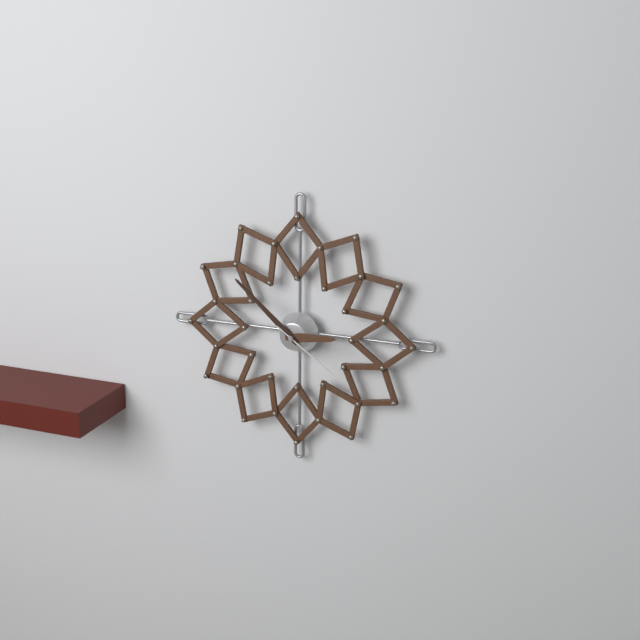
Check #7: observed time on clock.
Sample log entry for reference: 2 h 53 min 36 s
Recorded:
2 h 52 min 21 s
